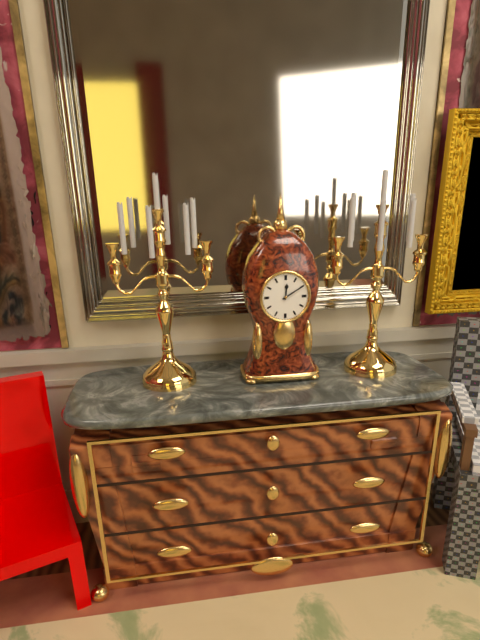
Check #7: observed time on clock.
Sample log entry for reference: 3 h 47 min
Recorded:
12 h 10 min
